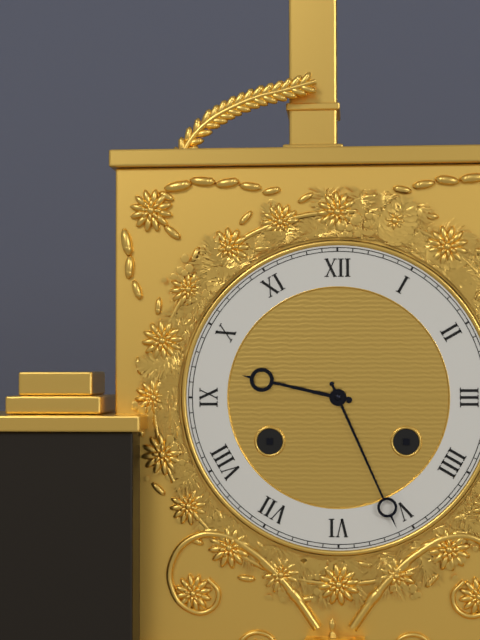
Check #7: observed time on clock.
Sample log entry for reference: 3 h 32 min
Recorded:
9 h 26 min
